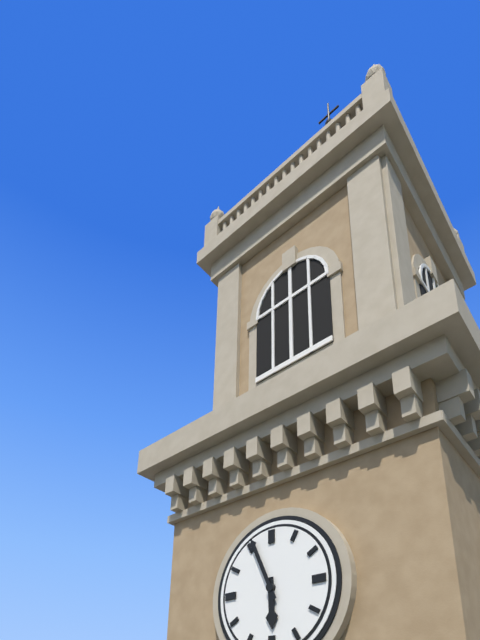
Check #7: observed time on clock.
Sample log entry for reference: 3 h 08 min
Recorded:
5 h 56 min
